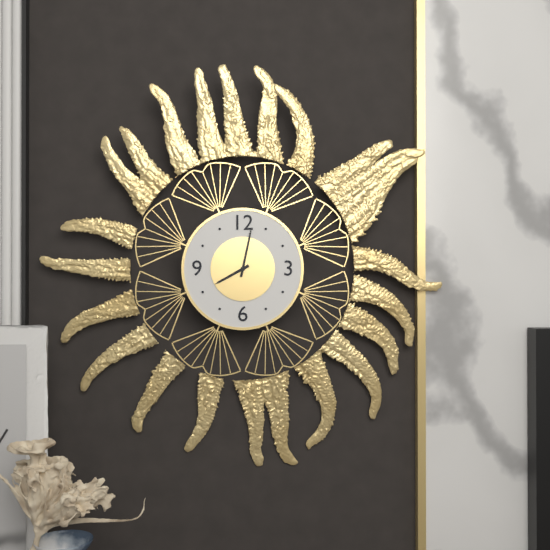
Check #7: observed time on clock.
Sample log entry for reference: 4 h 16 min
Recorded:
8 h 02 min
